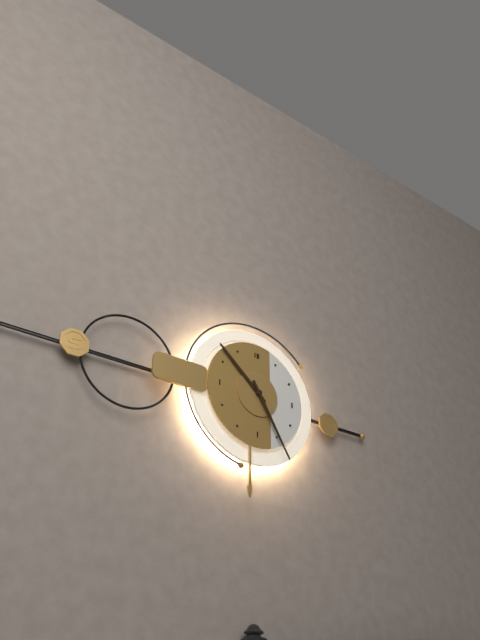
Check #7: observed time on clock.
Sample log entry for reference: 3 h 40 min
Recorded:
10 h 25 min
